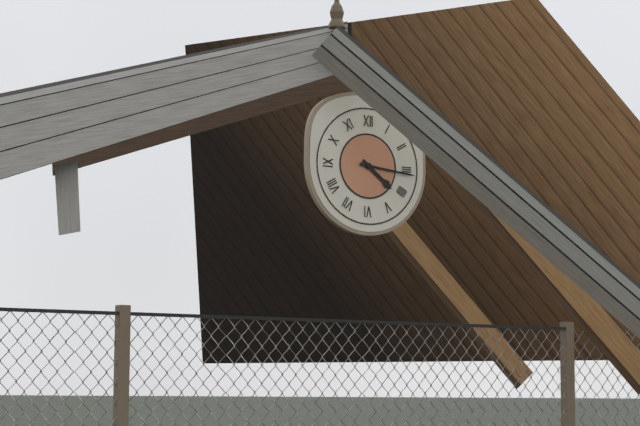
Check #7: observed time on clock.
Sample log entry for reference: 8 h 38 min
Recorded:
4 h 16 min
